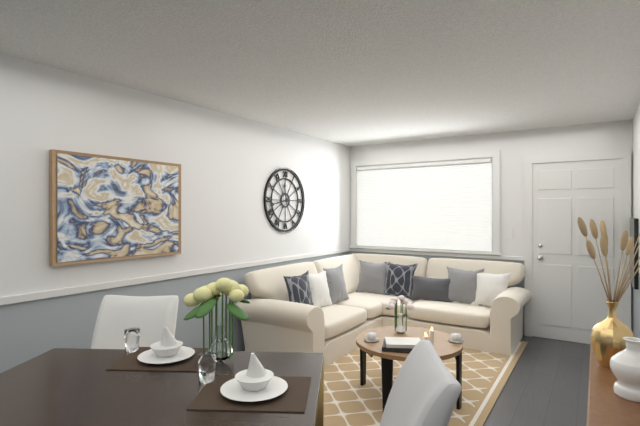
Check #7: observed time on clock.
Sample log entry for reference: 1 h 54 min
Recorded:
11 h 43 min
